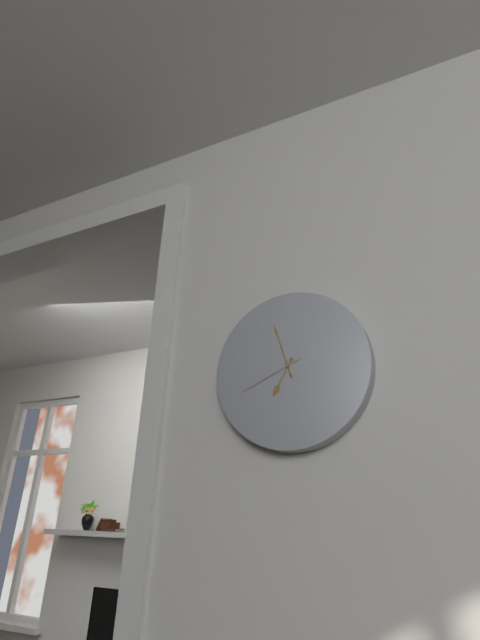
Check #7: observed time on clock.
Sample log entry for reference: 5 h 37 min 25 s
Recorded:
6 h 57 min 41 s
